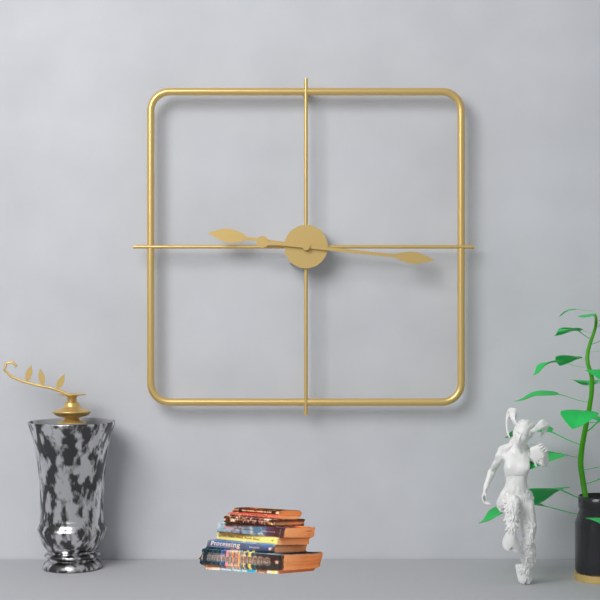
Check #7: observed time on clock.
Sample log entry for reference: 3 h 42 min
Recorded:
9 h 16 min
